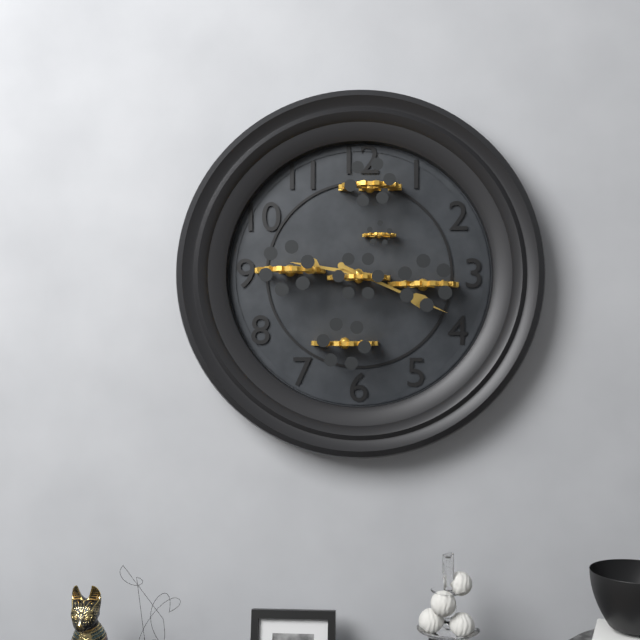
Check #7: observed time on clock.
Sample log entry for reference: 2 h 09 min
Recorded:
9 h 19 min
